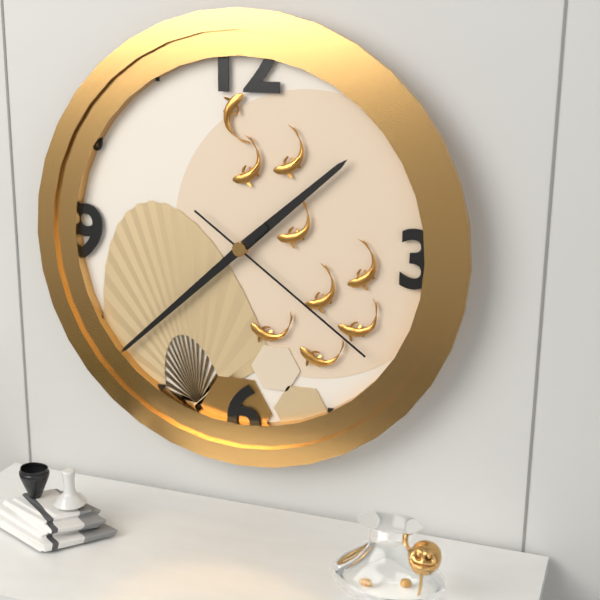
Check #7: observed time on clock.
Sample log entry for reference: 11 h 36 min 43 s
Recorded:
1 h 38 min 21 s
